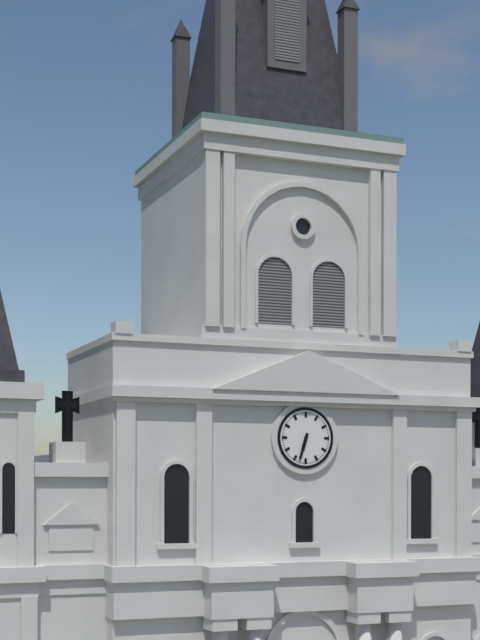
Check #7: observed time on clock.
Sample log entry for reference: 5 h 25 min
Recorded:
6 h 33 min
